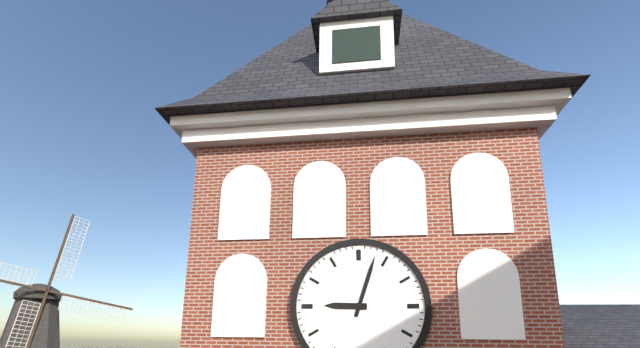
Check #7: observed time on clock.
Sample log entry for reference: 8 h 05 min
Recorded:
9 h 03 min
